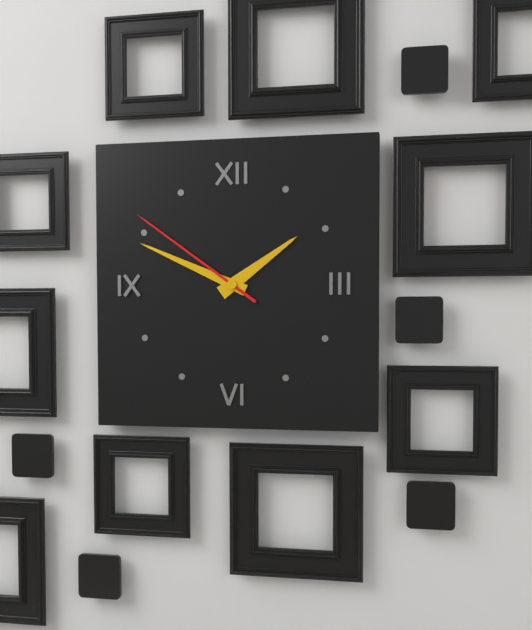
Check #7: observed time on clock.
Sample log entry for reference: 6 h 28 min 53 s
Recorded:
1 h 49 min 51 s
